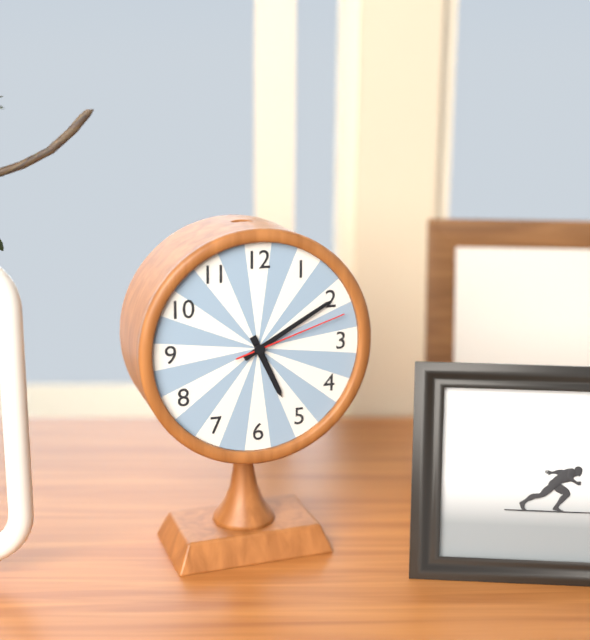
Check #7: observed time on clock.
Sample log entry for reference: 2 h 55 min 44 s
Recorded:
5 h 10 min 12 s
